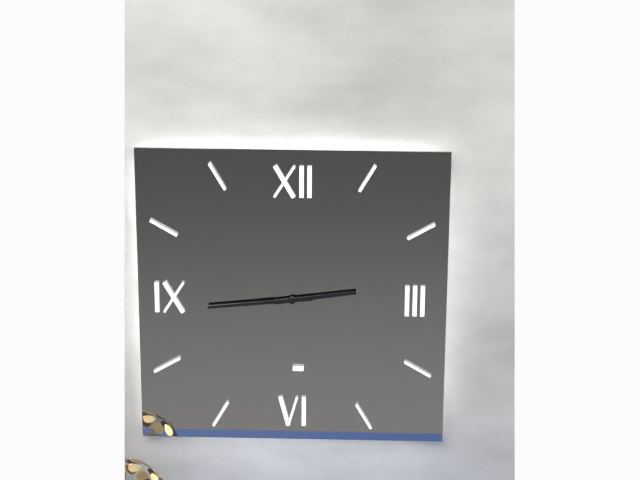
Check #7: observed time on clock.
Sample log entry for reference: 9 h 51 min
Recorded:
2 h 44 min
